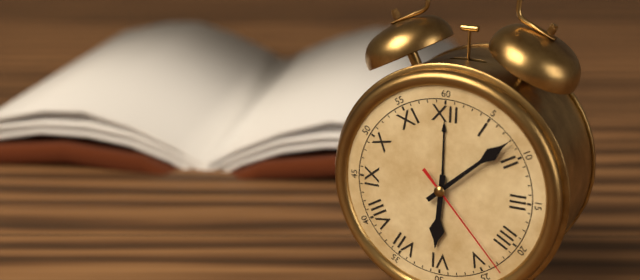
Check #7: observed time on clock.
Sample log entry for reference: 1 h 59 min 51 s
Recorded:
6 h 08 min 23 s
